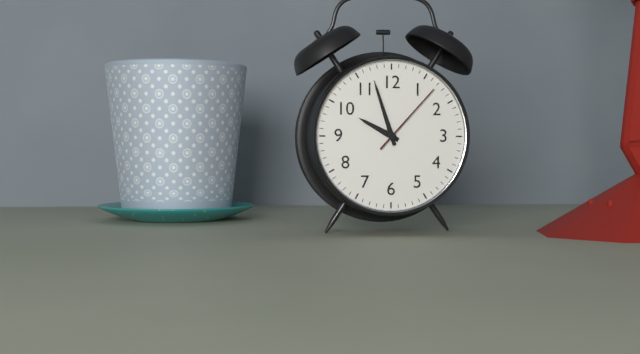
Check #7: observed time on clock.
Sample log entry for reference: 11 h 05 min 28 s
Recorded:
9 h 57 min 07 s
